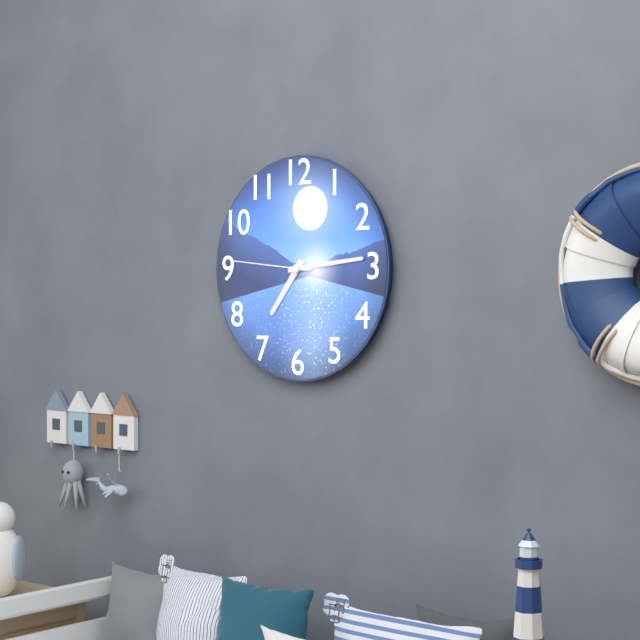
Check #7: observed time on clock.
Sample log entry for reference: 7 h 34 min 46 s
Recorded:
7 h 14 min 46 s
